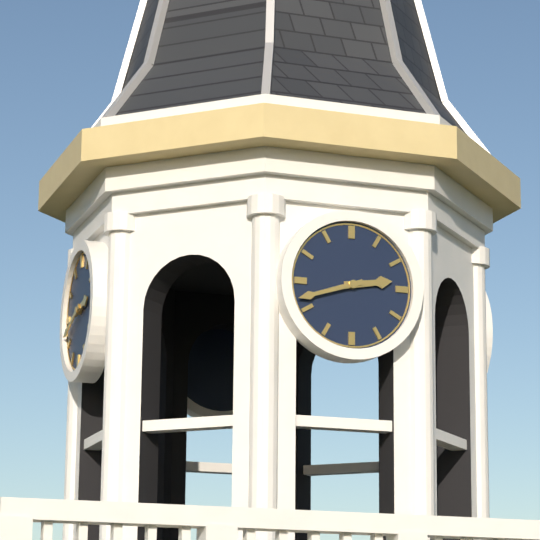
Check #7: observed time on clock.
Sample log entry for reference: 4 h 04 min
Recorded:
2 h 42 min
